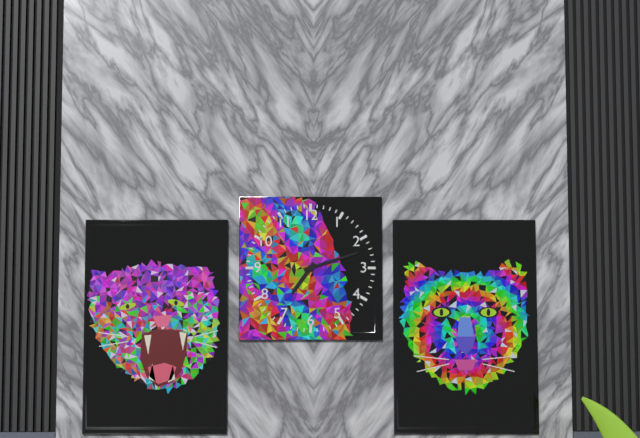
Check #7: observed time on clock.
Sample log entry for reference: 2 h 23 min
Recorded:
7 h 12 min
